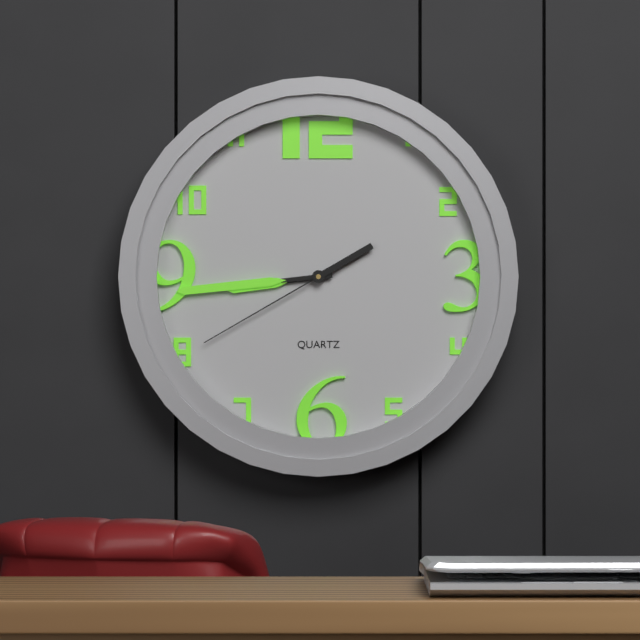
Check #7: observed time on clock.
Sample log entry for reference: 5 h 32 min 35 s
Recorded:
8 h 44 min 40 s
